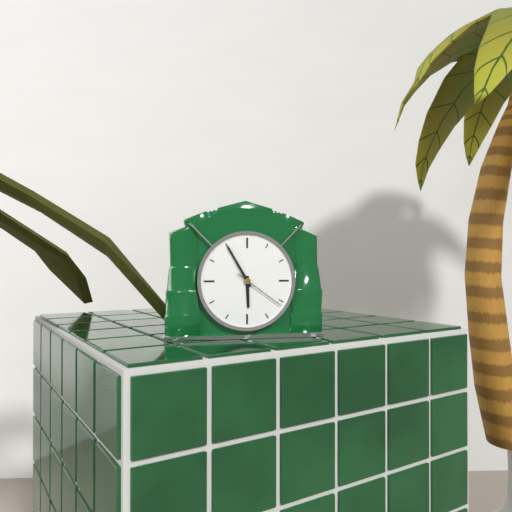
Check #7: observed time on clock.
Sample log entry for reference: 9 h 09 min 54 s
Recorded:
5 h 55 min 21 s
